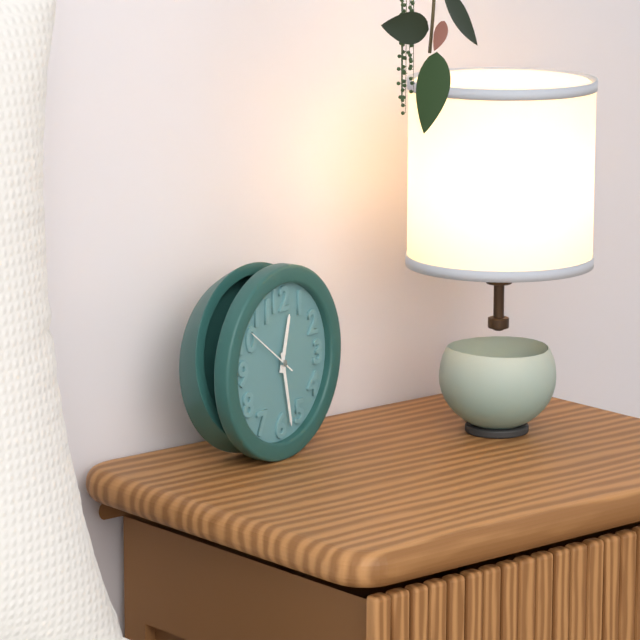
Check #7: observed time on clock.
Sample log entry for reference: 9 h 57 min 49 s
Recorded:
12 h 28 min 51 s
